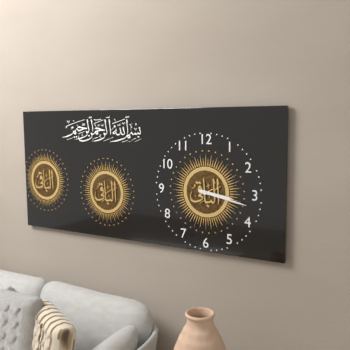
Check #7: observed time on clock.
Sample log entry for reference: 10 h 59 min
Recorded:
3 h 17 min
